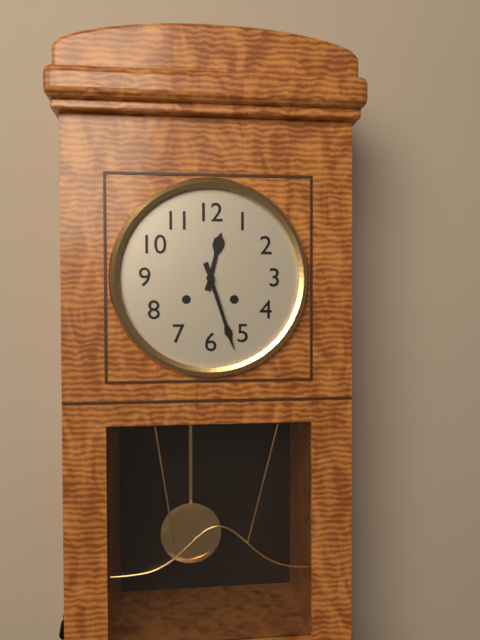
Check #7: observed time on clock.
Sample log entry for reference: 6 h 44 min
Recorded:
12 h 27 min
